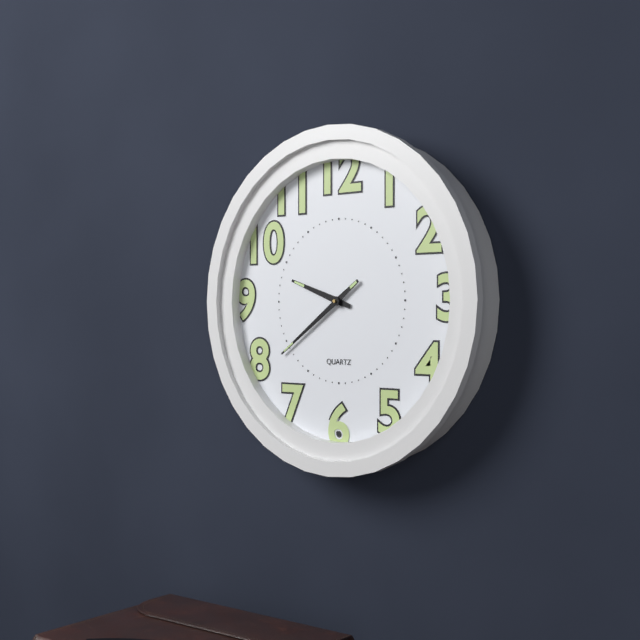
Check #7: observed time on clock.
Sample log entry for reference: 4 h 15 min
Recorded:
9 h 39 min
